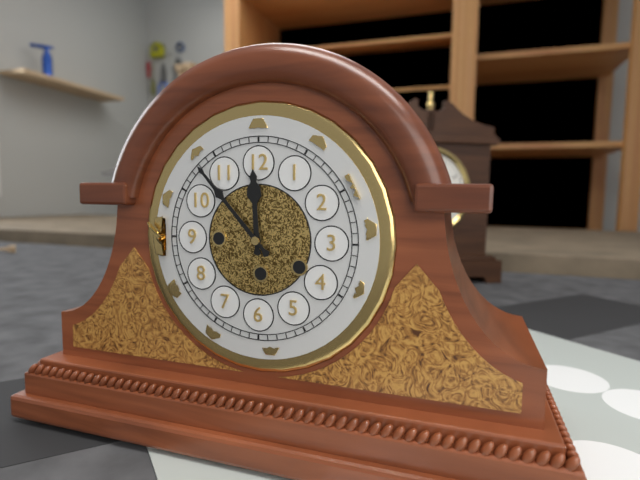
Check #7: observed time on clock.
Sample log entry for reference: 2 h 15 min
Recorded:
11 h 53 min
